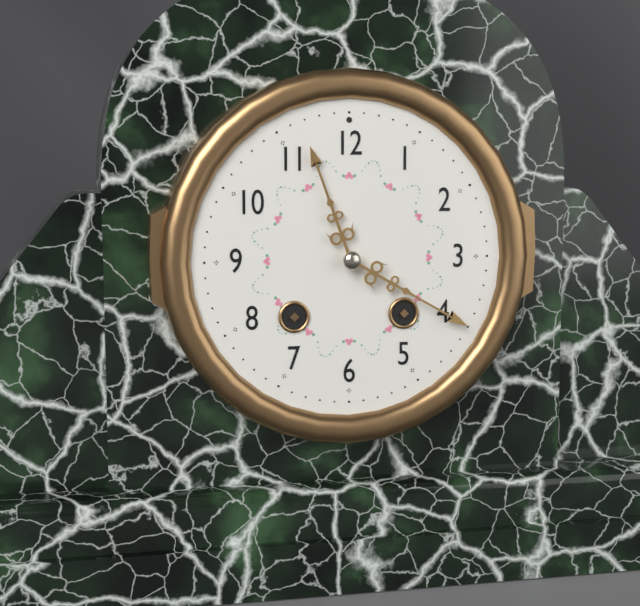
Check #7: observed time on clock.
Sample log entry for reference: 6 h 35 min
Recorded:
11 h 20 min
